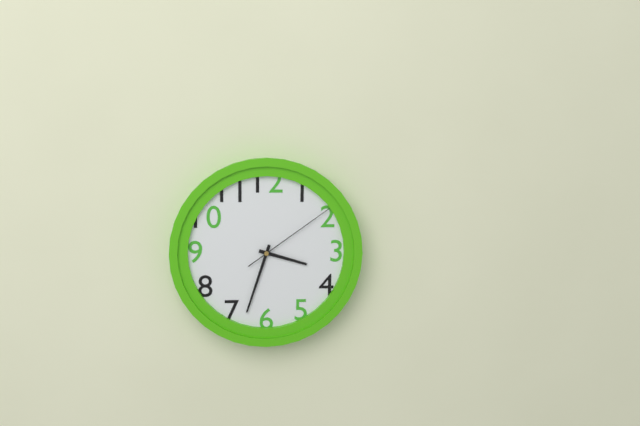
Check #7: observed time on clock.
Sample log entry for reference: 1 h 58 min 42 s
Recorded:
3 h 33 min 09 s
